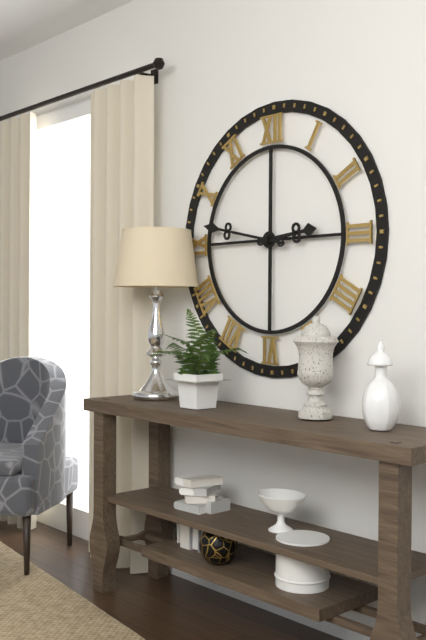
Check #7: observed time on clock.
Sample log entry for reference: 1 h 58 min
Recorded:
2 h 47 min
